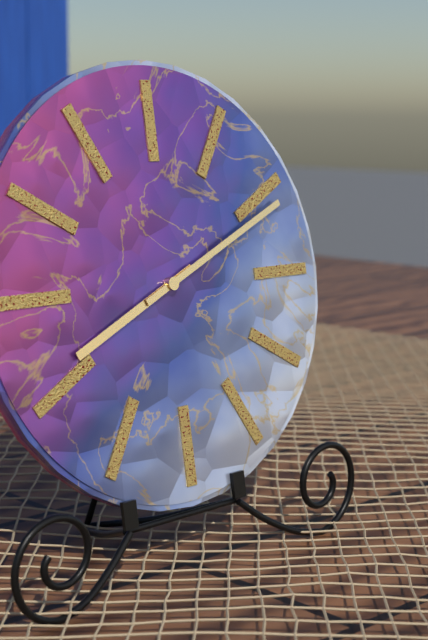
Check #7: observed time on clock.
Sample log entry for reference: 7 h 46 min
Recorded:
8 h 11 min
